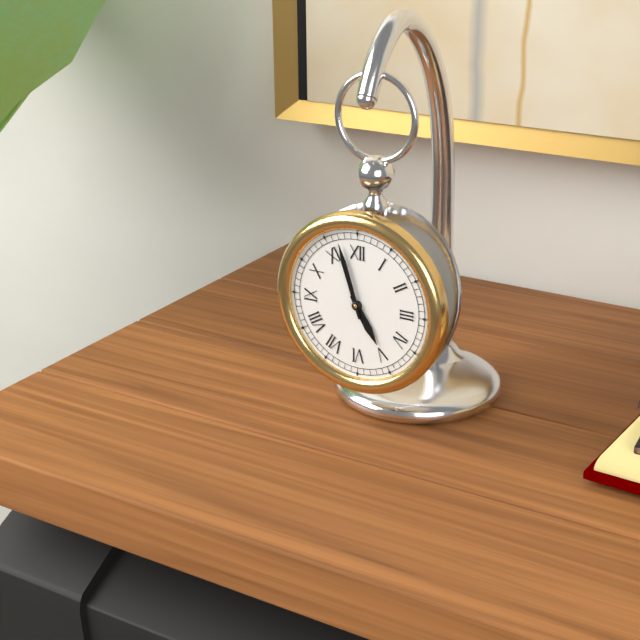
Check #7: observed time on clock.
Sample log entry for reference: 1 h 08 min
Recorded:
4 h 57 min
